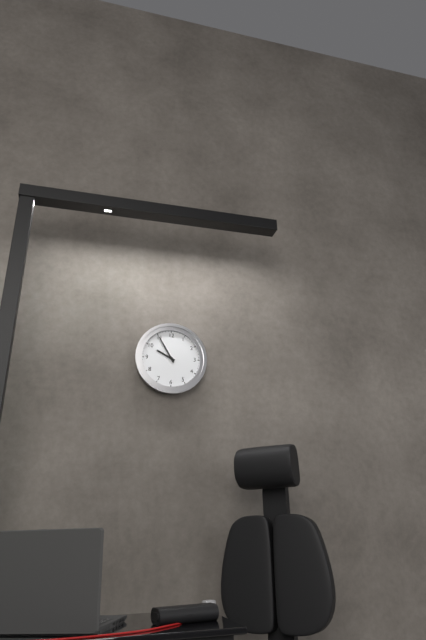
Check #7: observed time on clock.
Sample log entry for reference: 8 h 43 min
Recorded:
9 h 55 min
